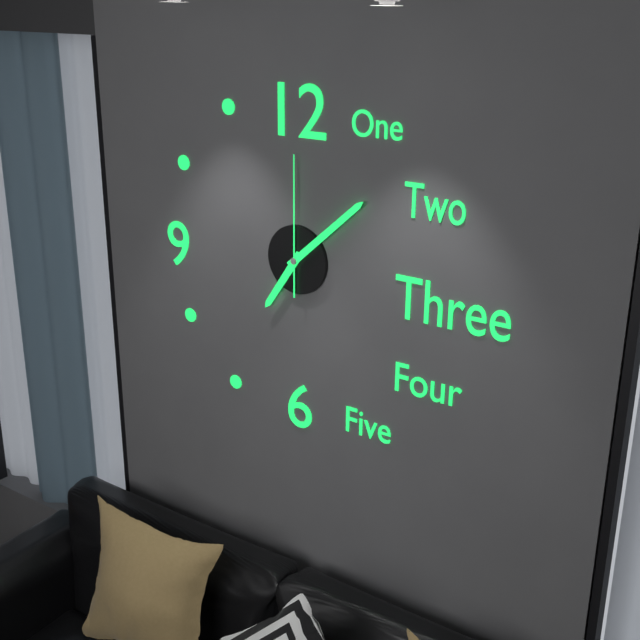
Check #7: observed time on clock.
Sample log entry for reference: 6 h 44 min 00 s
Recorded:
7 h 08 min 00 s
